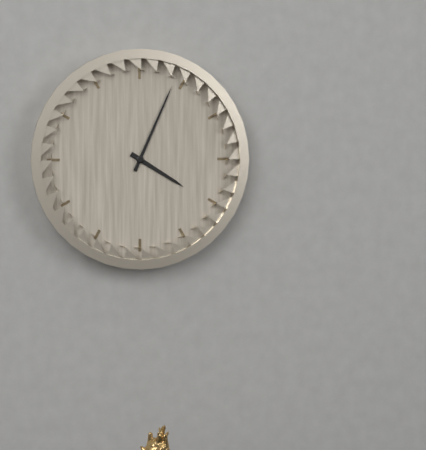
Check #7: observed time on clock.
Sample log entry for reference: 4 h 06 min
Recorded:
4 h 04 min
